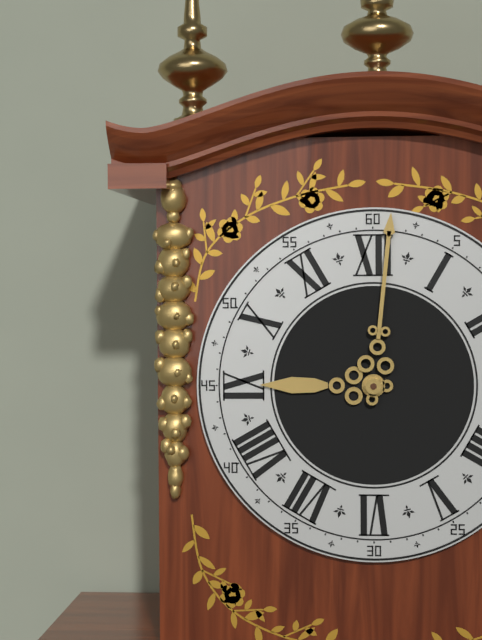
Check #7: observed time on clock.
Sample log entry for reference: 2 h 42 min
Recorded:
9 h 01 min
